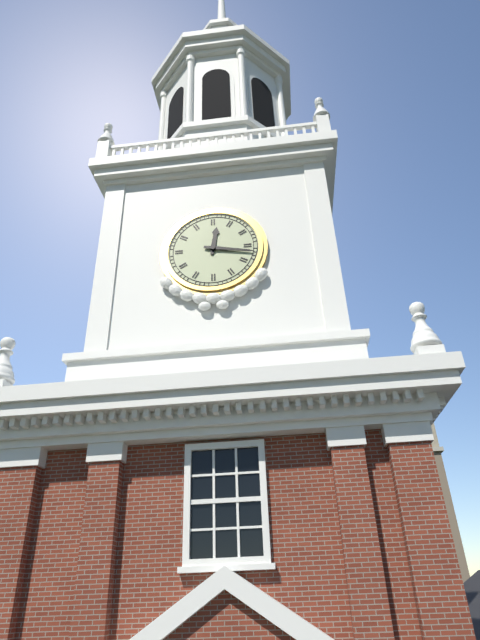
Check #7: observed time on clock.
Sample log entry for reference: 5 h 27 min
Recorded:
12 h 17 min
